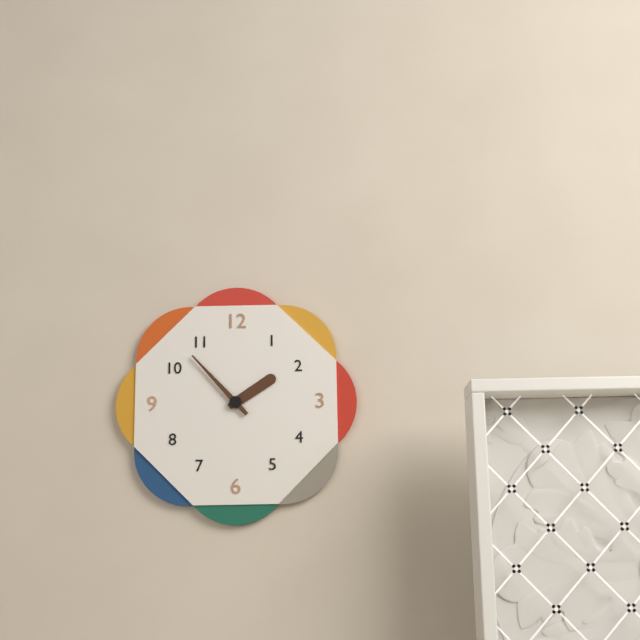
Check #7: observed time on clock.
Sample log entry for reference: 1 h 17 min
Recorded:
1 h 53 min
